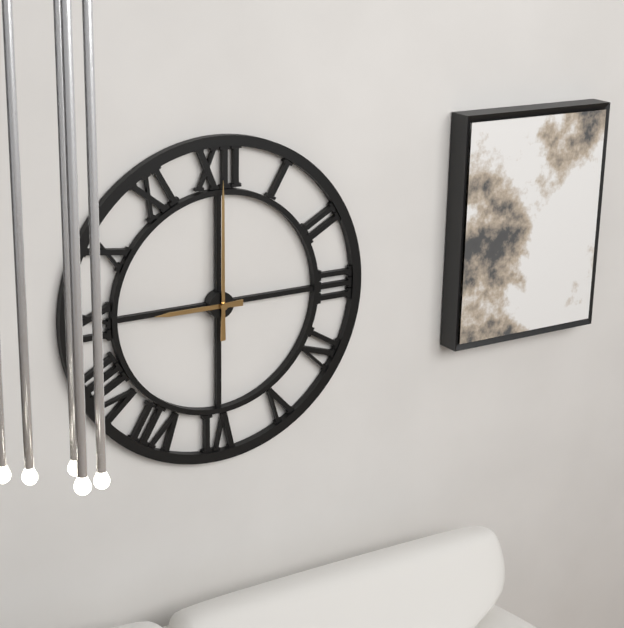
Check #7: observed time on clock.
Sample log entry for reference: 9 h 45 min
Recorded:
9 h 00 min
